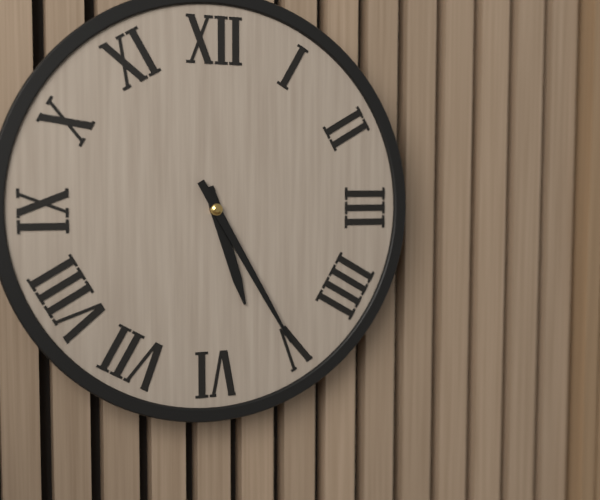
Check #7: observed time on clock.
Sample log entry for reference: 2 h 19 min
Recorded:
5 h 25 min
